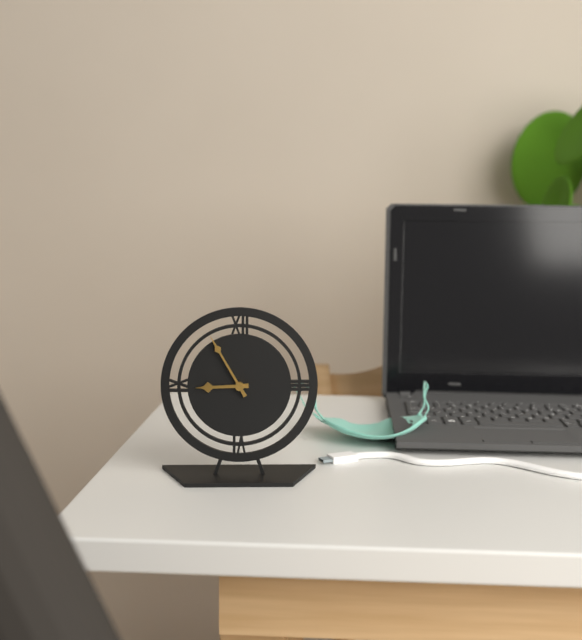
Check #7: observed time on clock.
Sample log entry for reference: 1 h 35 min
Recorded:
8 h 55 min
